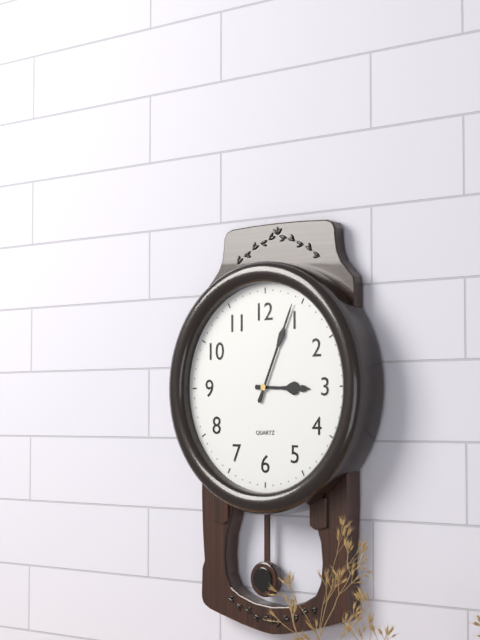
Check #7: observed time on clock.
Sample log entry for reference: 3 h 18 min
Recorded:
3 h 04 min
